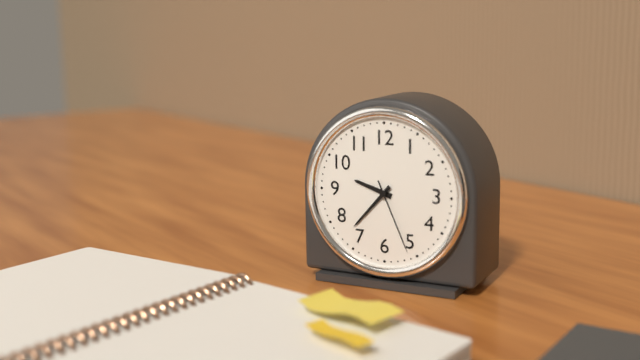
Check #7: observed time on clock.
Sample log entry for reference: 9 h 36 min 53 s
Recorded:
9 h 37 min 26 s
